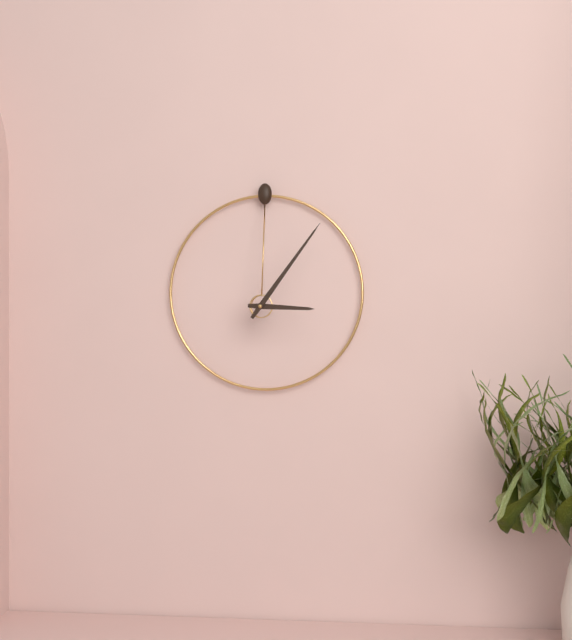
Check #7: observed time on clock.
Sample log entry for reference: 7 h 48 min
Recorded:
3 h 06 min
